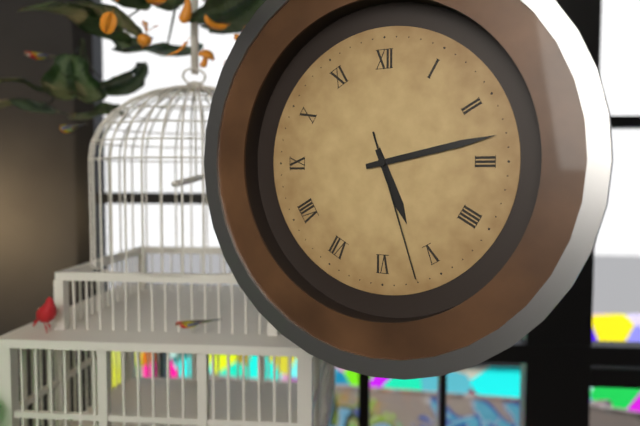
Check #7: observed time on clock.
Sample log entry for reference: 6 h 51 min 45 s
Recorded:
5 h 13 min 27 s
